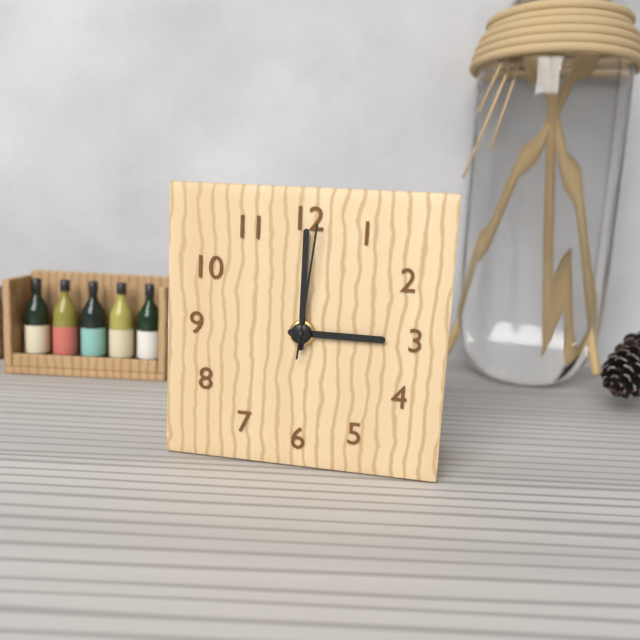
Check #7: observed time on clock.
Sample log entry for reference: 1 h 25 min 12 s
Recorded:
3 h 00 min 01 s
